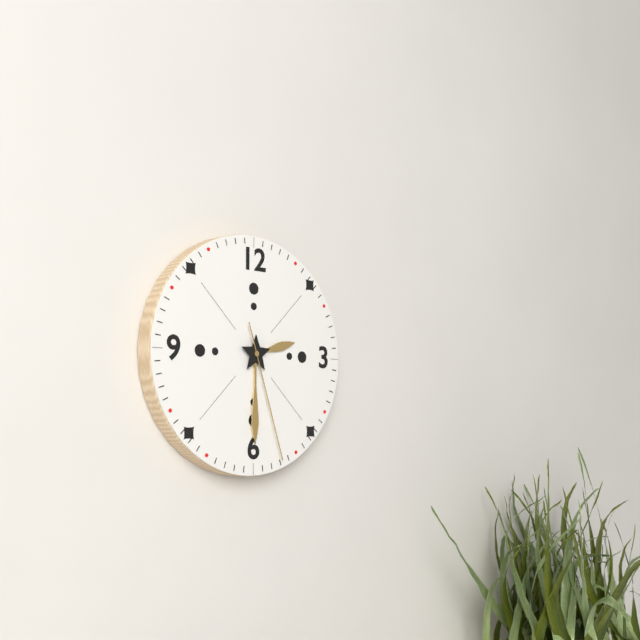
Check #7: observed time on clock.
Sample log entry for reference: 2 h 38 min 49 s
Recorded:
2 h 30 min 27 s
